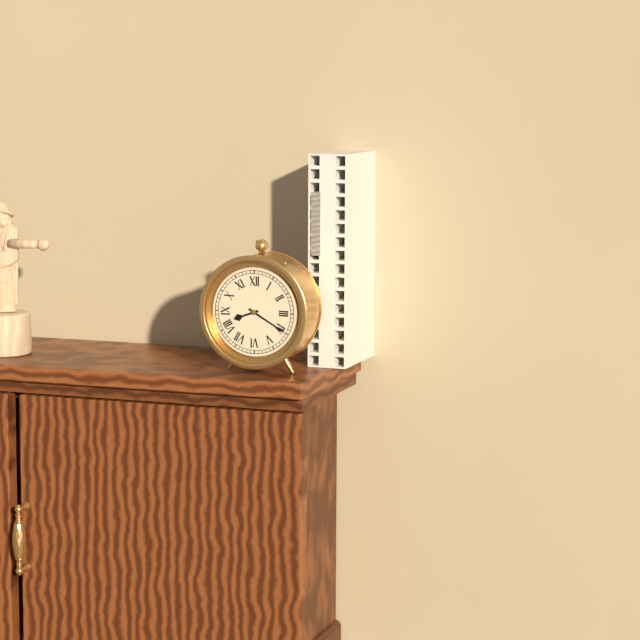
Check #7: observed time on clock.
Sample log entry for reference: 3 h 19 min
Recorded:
8 h 20 min
